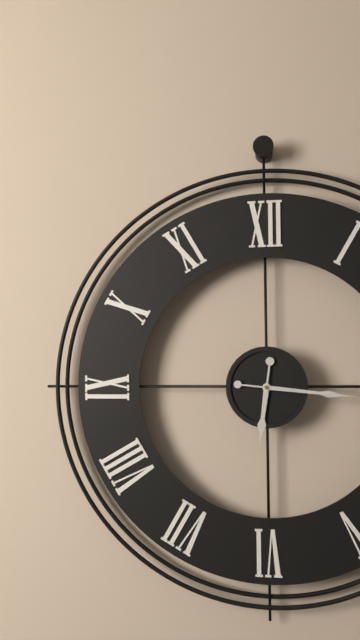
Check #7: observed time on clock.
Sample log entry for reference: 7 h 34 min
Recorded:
6 h 16 min
